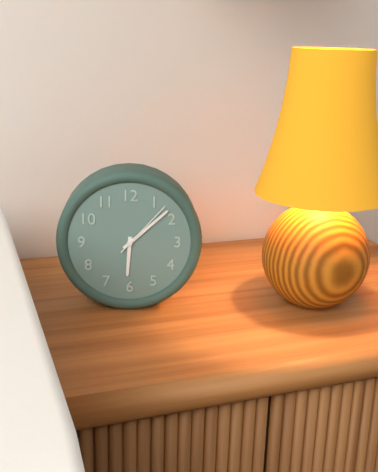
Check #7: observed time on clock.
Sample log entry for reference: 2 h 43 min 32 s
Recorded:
6 h 08 min 07 s
